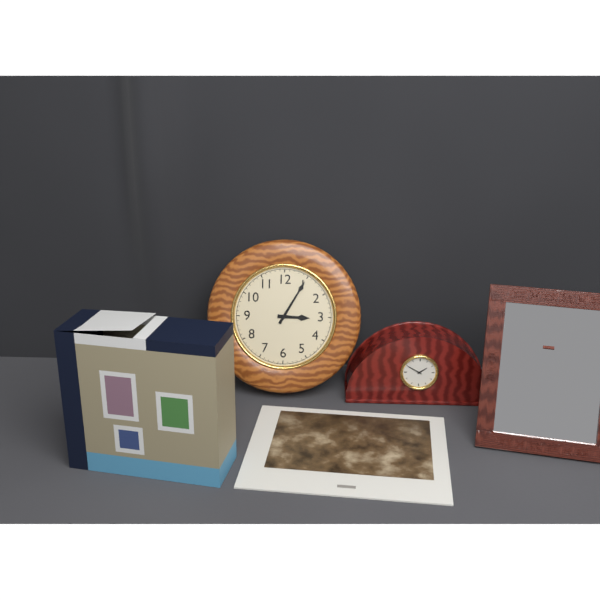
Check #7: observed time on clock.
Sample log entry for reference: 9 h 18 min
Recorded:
3 h 05 min
